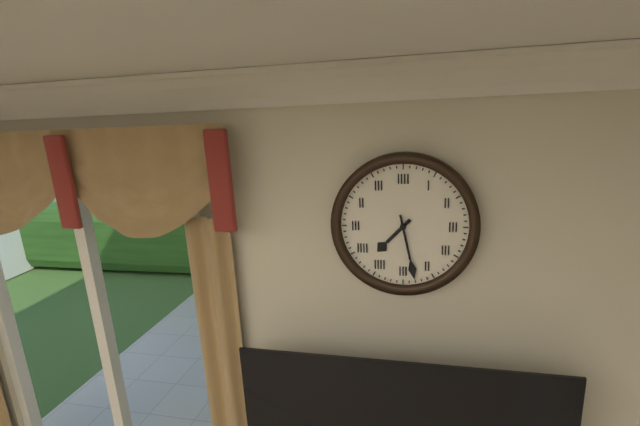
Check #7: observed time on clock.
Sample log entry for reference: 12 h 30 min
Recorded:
7 h 28 min
